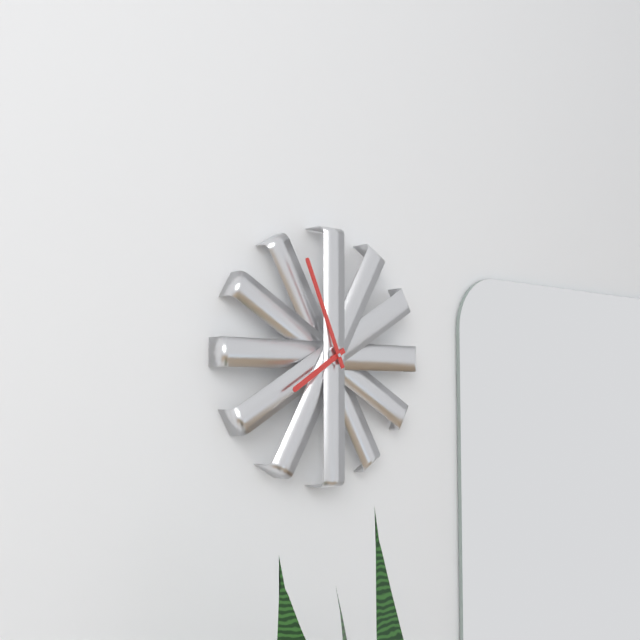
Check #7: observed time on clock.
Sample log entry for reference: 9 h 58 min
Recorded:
7 h 56 min
